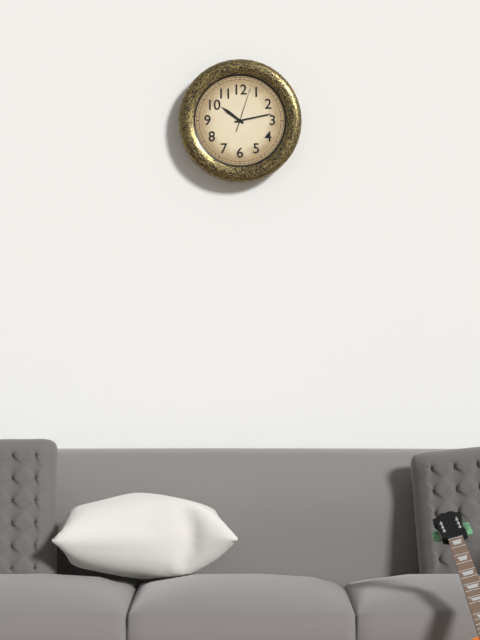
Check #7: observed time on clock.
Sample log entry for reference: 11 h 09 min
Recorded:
10 h 13 min
